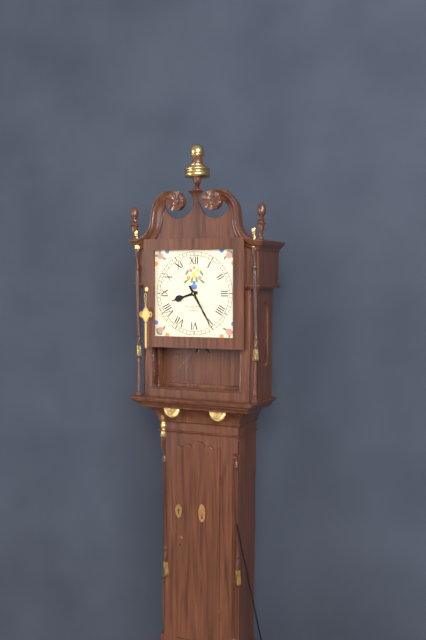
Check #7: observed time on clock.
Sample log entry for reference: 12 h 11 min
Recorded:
8 h 25 min
